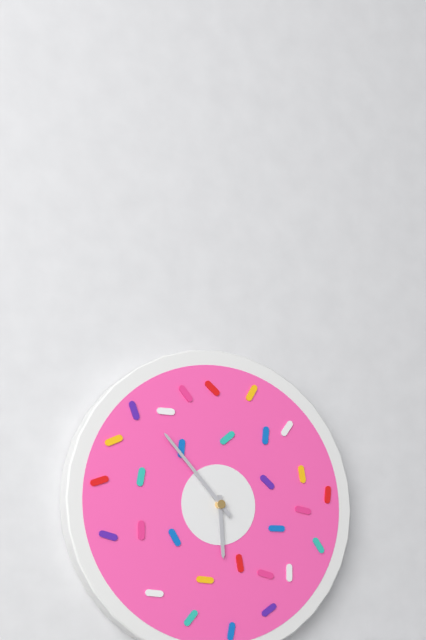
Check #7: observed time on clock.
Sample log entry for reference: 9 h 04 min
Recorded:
5 h 53 min
